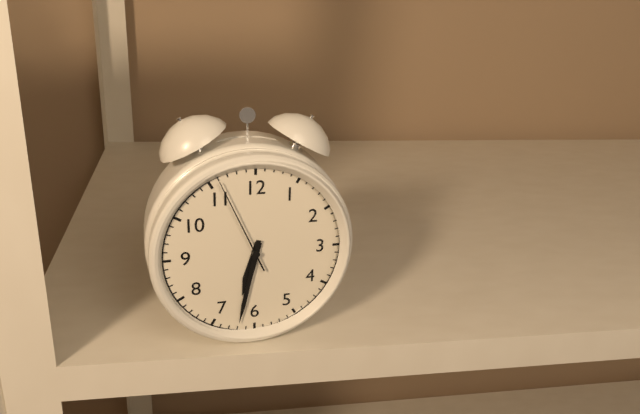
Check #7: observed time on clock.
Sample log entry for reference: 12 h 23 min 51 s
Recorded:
6 h 32 min 56 s
